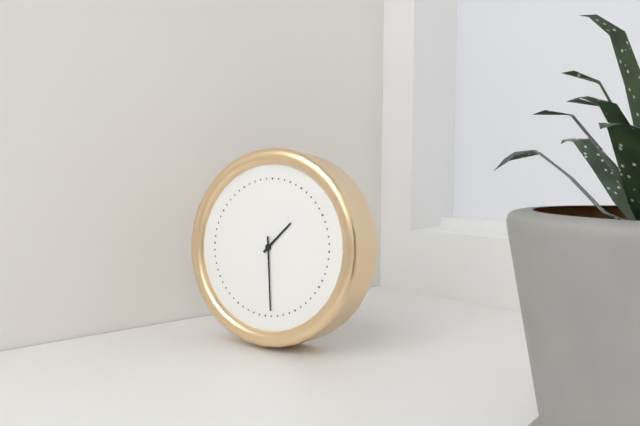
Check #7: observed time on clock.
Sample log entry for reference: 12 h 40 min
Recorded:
1 h 29 min
